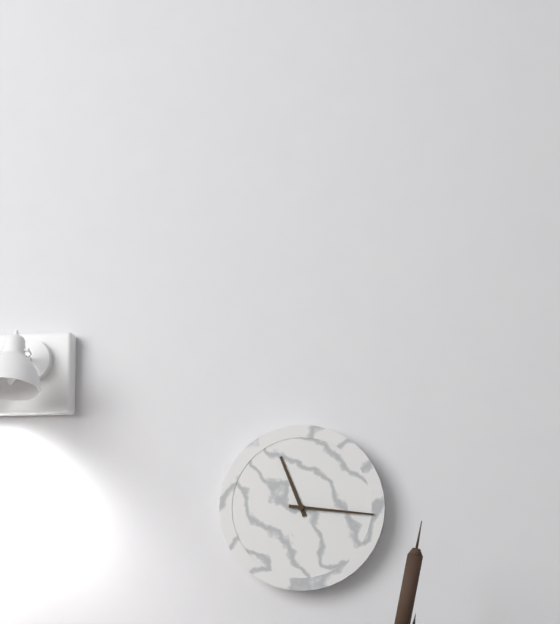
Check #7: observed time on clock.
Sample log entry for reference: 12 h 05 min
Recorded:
11 h 16 min
